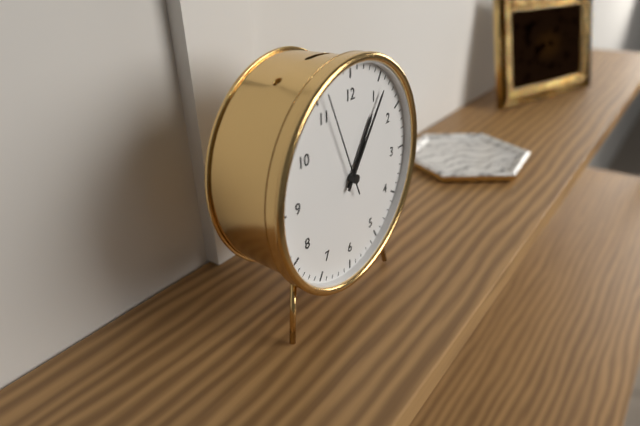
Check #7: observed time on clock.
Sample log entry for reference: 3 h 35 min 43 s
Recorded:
1 h 06 min 56 s
